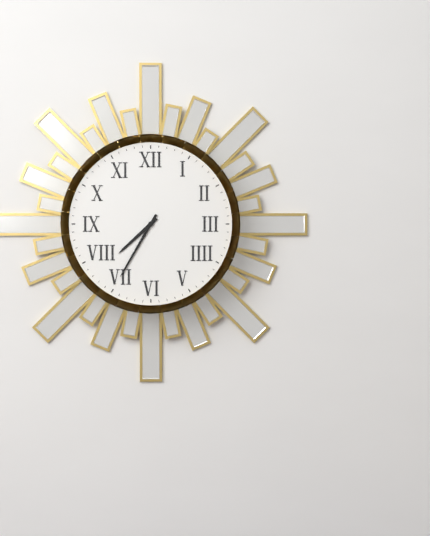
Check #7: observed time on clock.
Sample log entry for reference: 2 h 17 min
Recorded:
7 h 35 min
